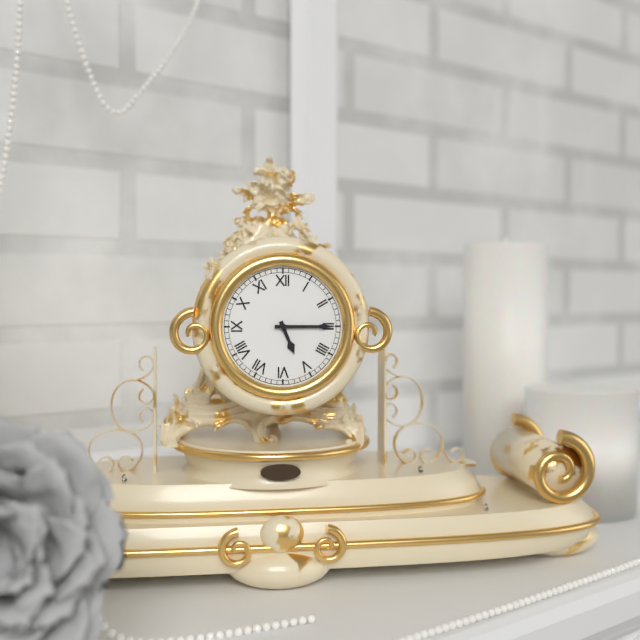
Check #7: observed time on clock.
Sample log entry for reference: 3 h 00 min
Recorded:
5 h 15 min
